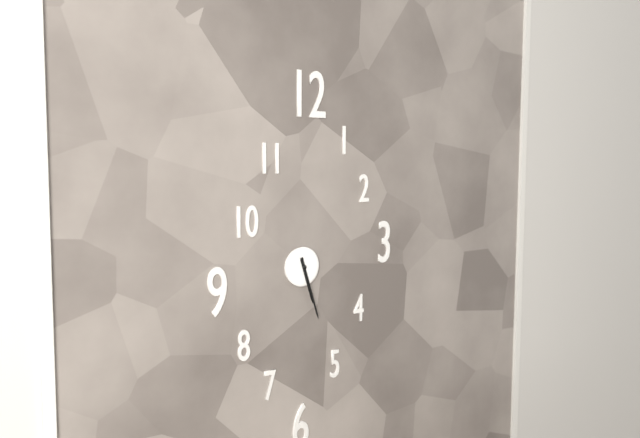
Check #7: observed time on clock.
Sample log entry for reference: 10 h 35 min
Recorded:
5 h 27 min
